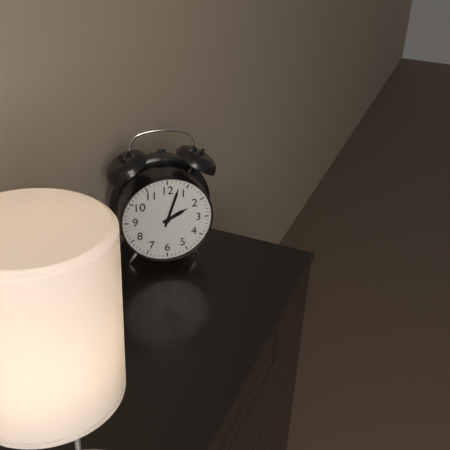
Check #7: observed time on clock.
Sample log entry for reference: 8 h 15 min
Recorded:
2 h 03 min
